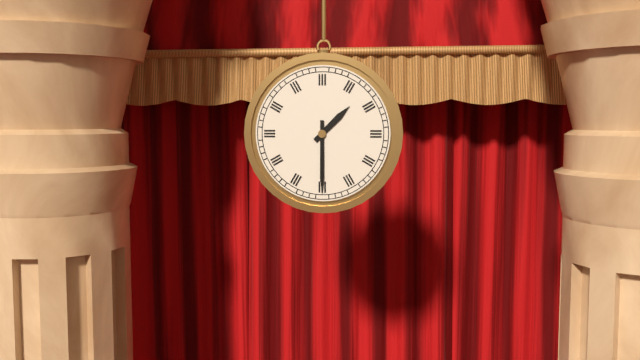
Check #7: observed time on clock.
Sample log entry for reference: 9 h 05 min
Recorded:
1 h 30 min
